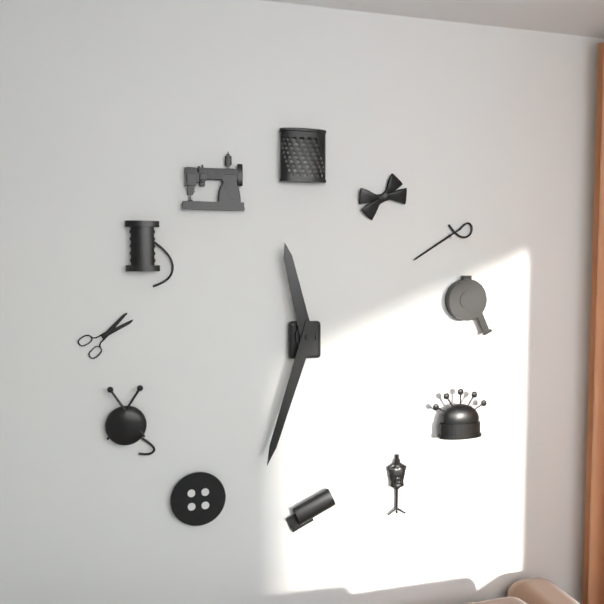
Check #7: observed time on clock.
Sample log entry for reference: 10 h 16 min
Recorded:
11 h 33 min
